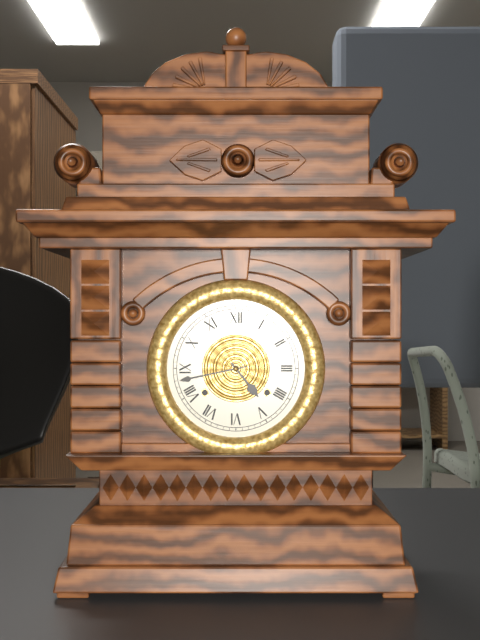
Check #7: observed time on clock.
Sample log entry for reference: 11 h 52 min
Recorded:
4 h 43 min
